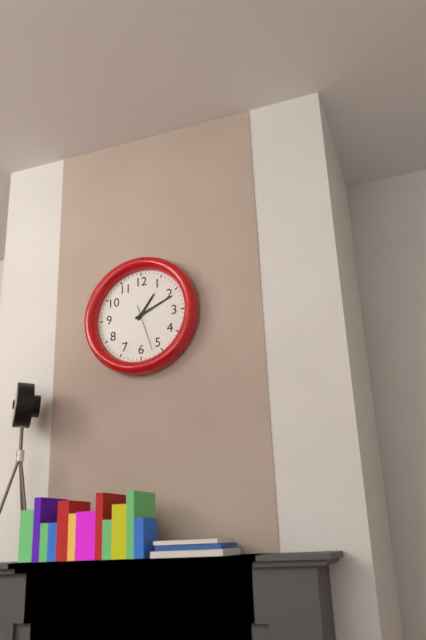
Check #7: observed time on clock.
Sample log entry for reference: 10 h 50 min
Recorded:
1 h 11 min
